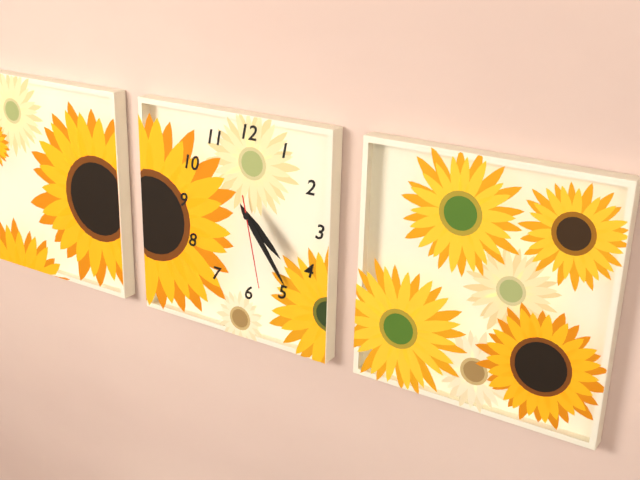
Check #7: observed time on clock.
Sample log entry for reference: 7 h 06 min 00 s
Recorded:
4 h 24 min 28 s
